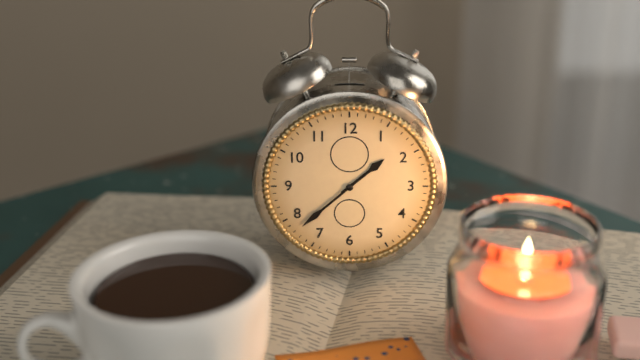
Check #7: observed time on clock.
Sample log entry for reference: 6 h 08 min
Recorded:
1 h 38 min
